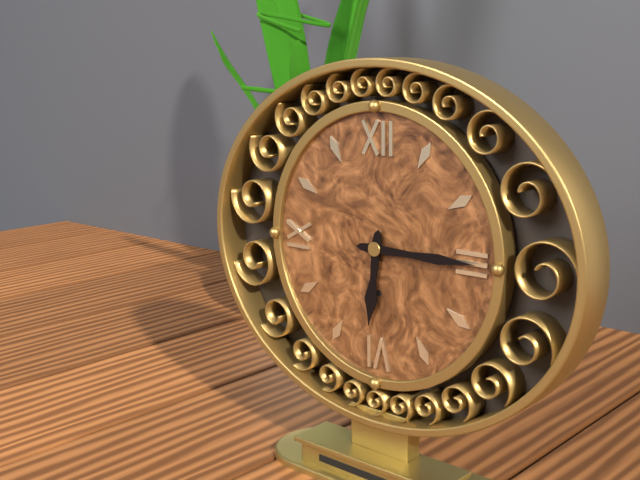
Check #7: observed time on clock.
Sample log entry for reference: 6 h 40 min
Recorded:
6 h 15 min
